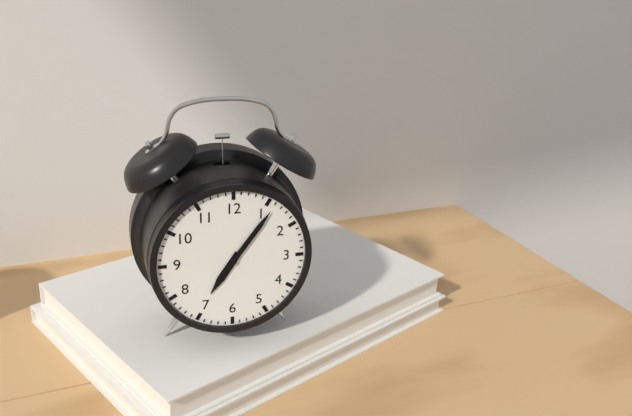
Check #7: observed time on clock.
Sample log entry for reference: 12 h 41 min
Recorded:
7 h 06 min
